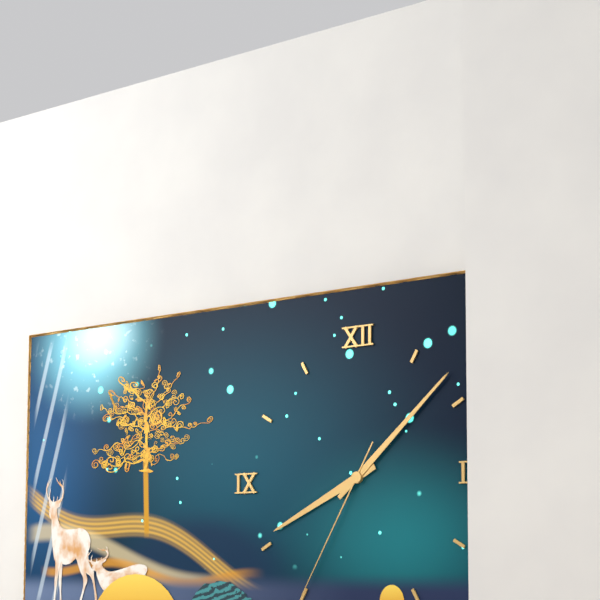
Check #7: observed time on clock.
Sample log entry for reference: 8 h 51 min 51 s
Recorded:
8 h 08 min 35 s
